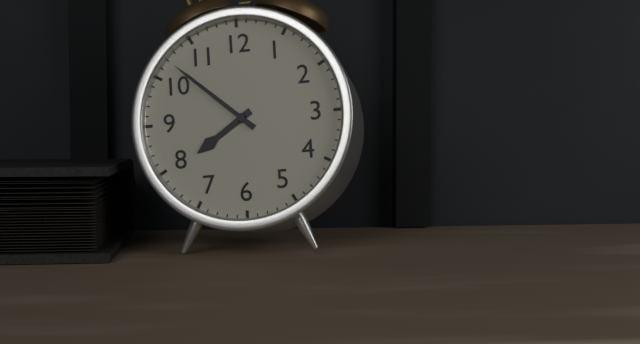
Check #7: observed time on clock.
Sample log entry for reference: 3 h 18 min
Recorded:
7 h 52 min
